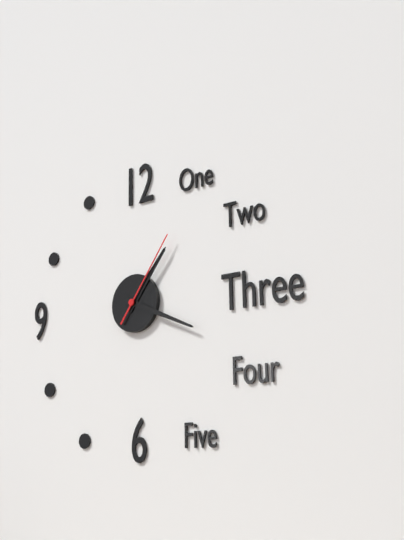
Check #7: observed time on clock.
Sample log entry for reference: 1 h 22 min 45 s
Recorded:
1 h 19 min 06 s
